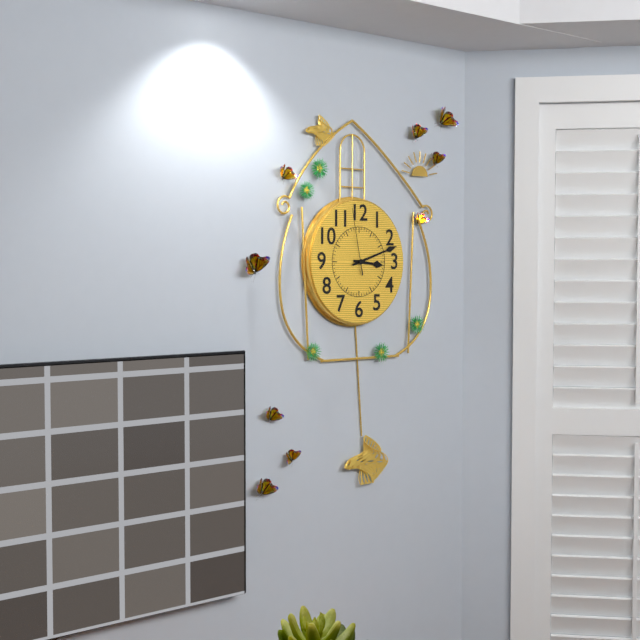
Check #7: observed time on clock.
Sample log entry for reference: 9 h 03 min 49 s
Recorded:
3 h 12 min 58 s
